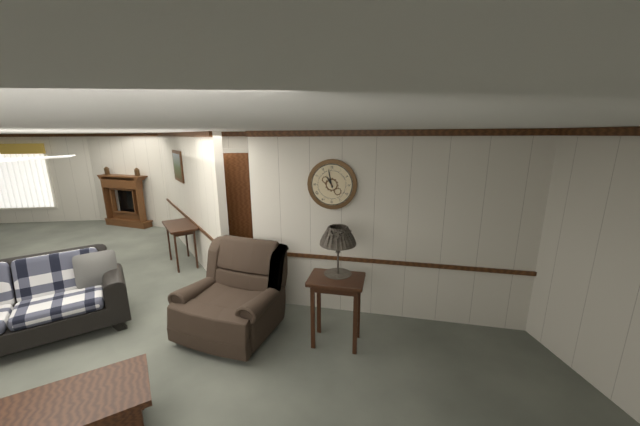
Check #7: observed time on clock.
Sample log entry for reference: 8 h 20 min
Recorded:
10 h 58 min
